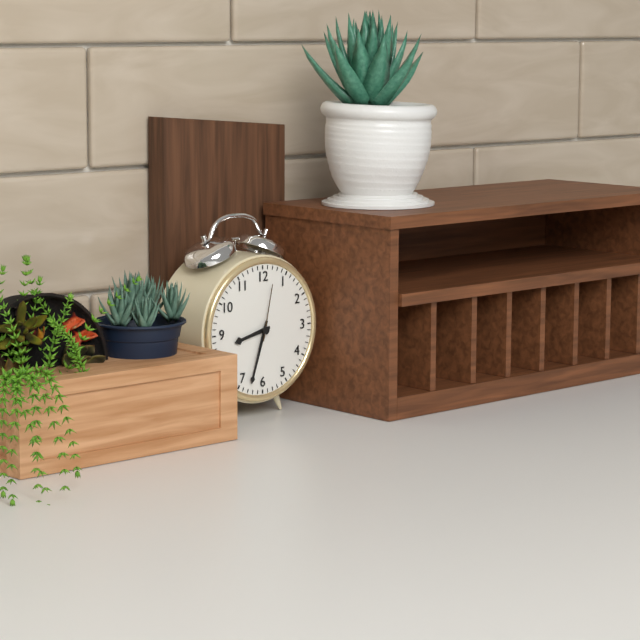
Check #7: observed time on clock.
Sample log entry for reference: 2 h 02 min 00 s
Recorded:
8 h 33 min 02 s
